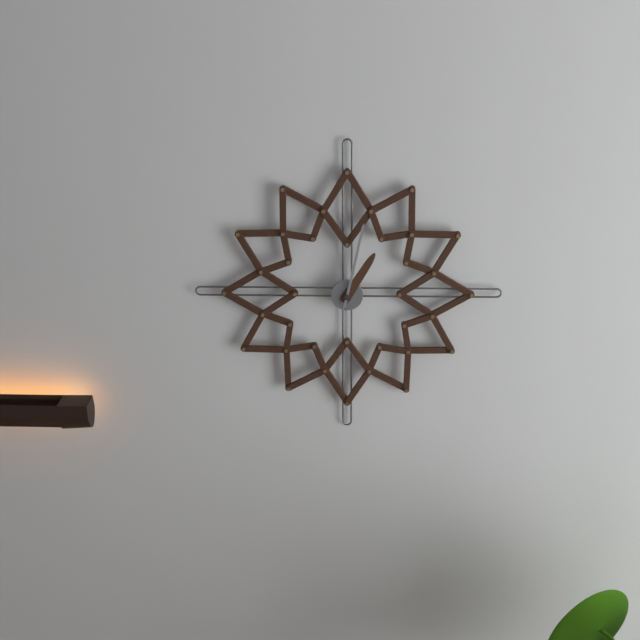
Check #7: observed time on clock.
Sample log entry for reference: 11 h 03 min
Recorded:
1 h 02 min
